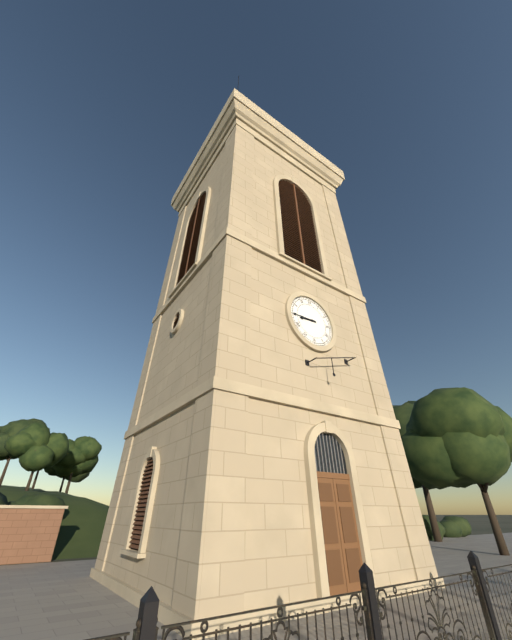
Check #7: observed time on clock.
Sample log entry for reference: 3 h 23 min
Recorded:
8 h 45 min
